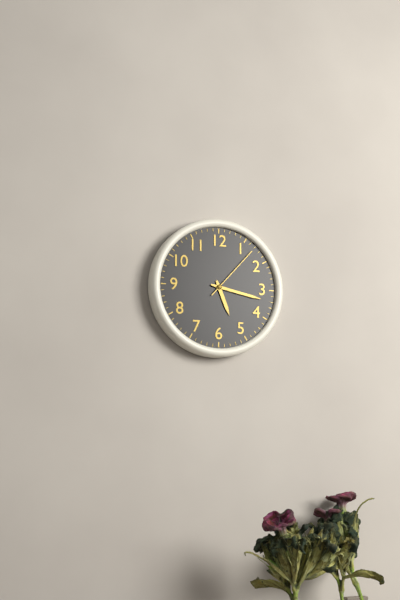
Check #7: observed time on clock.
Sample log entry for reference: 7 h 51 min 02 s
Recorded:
5 h 17 min 07 s
